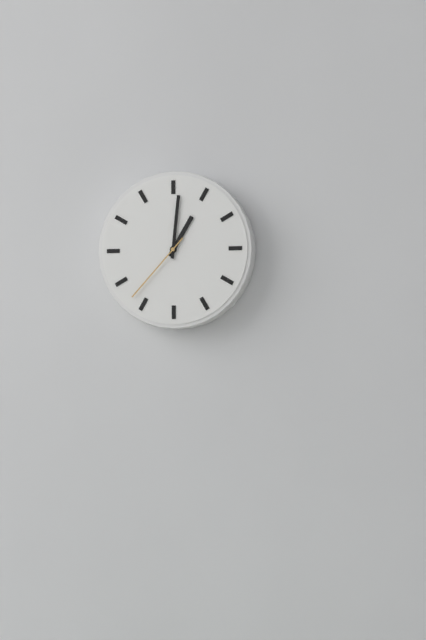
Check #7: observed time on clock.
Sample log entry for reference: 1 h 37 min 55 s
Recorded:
1 h 01 min 37 s
